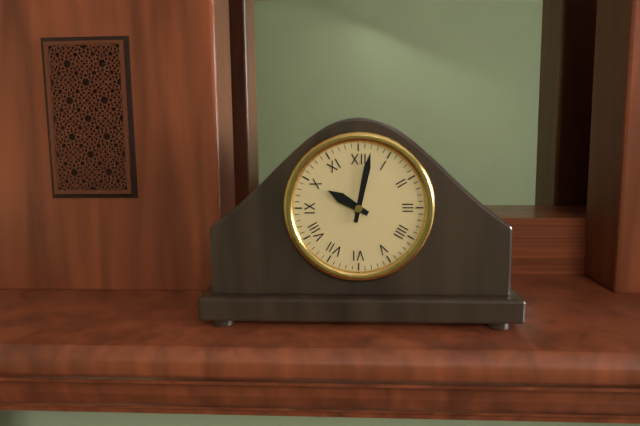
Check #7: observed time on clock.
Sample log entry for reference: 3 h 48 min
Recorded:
10 h 02 min
